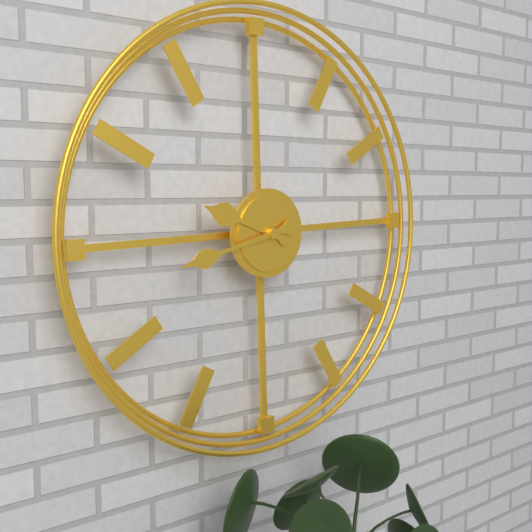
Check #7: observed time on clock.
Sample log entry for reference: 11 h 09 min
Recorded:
9 h 43 min
